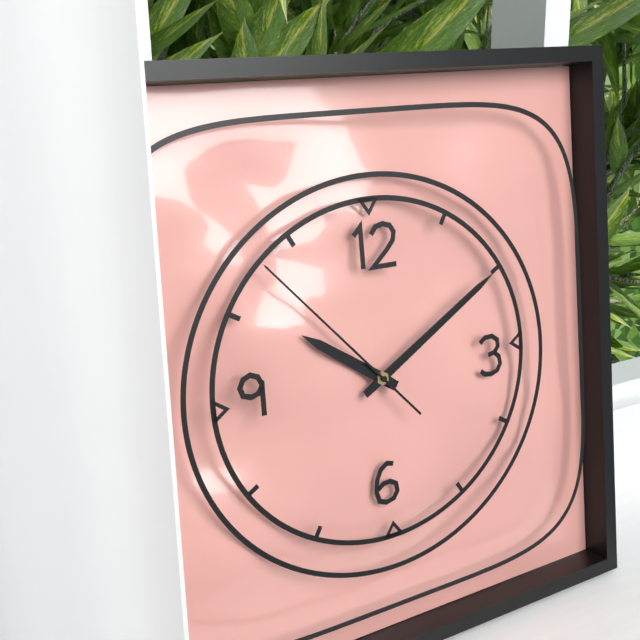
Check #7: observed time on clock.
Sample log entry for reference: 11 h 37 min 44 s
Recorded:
10 h 10 min 53 s
